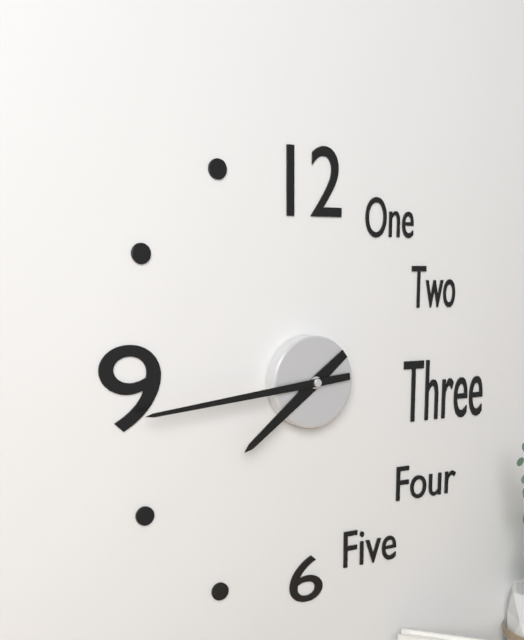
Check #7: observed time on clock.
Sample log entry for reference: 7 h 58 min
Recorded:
7 h 44 min
